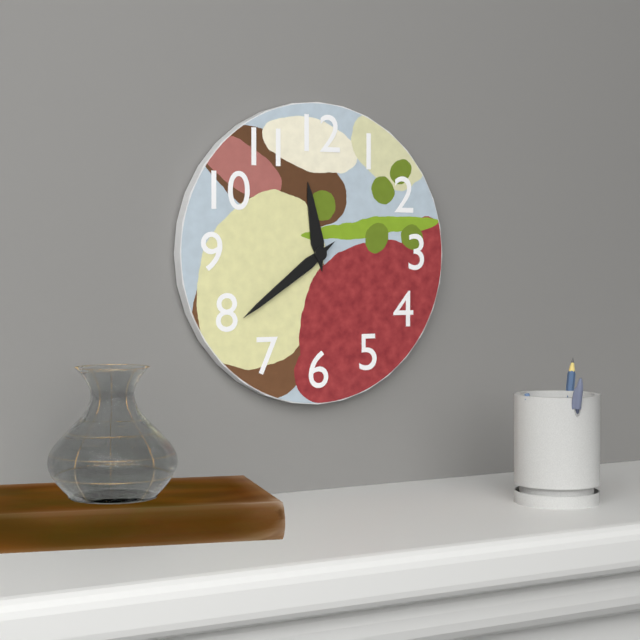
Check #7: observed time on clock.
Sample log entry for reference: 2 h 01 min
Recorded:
11 h 39 min
